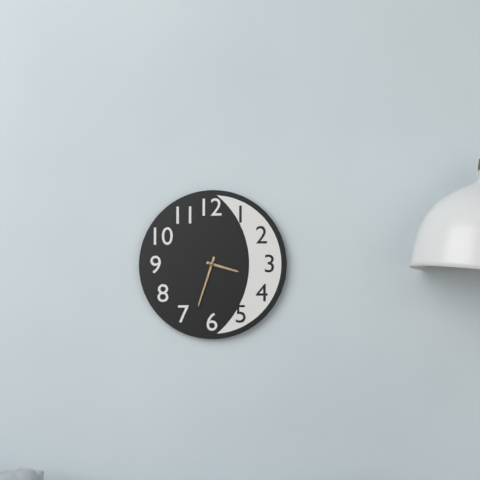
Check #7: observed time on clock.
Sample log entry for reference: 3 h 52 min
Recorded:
3 h 33 min
